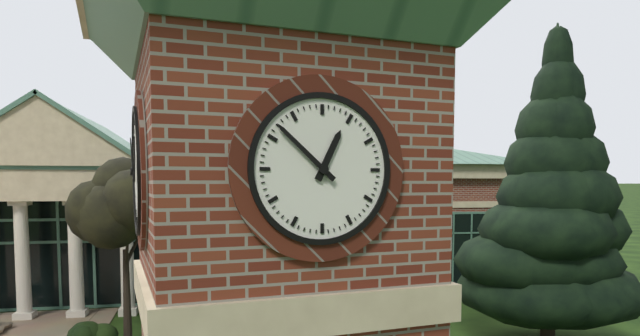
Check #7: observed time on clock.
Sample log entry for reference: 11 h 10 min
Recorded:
12 h 52 min
